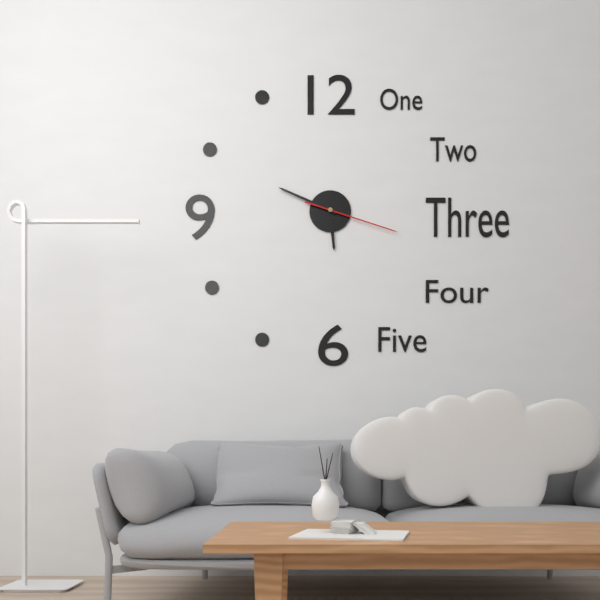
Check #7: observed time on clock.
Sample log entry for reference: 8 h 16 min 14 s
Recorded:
5 h 49 min 18 s
